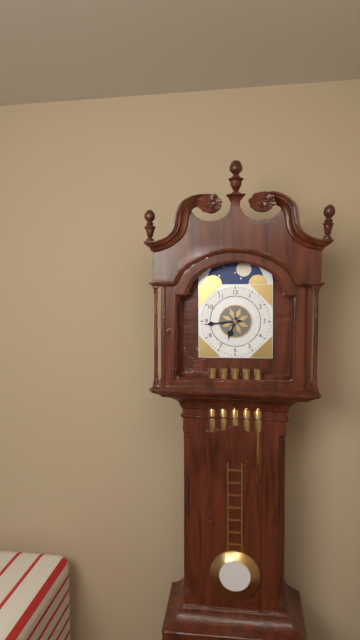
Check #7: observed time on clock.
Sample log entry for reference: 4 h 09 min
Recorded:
6 h 44 min
